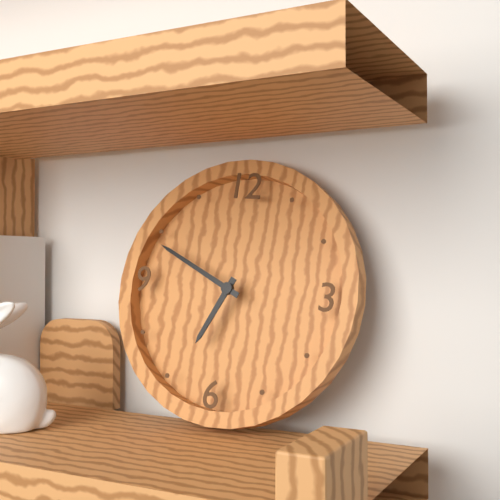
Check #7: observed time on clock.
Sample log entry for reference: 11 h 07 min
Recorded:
6 h 49 min
